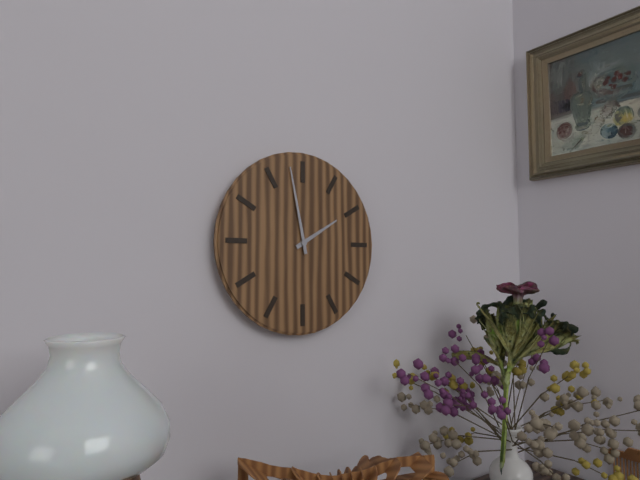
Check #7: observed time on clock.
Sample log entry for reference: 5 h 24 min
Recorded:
1 h 58 min
